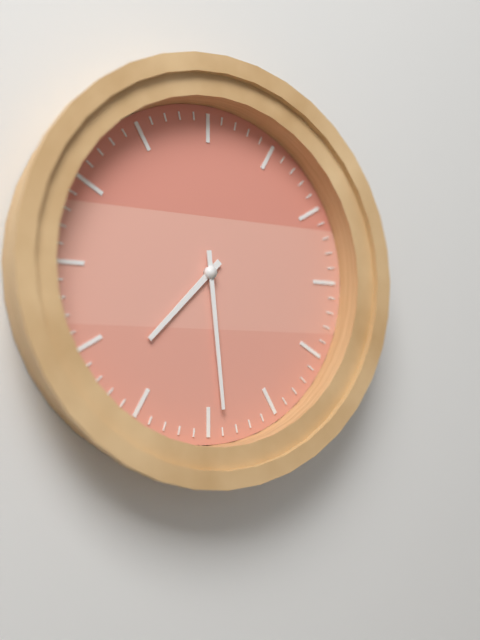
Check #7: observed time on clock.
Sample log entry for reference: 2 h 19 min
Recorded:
7 h 29 min
